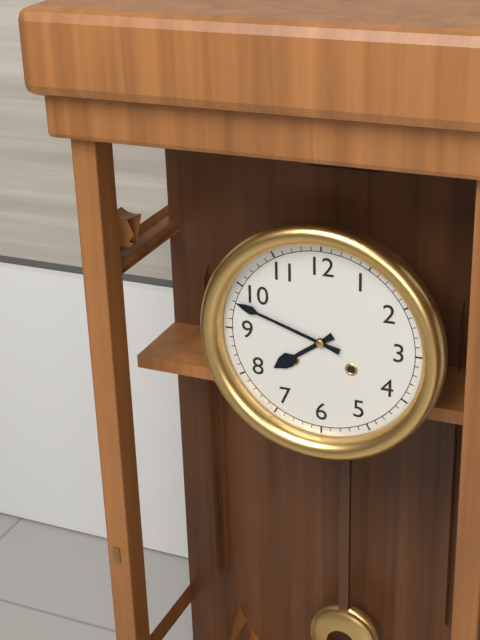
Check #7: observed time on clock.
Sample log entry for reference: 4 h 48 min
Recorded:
7 h 48 min
